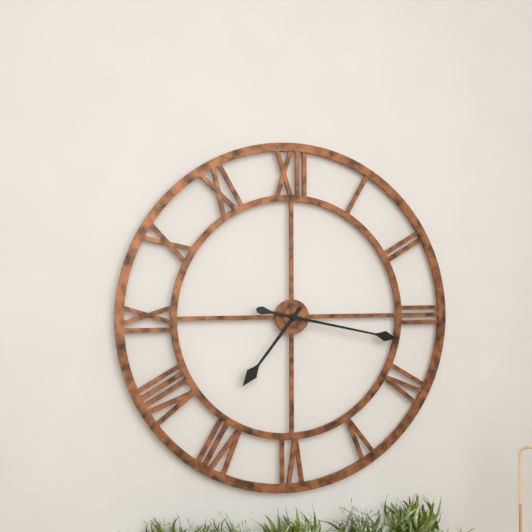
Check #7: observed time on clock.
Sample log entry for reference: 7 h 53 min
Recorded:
7 h 17 min
